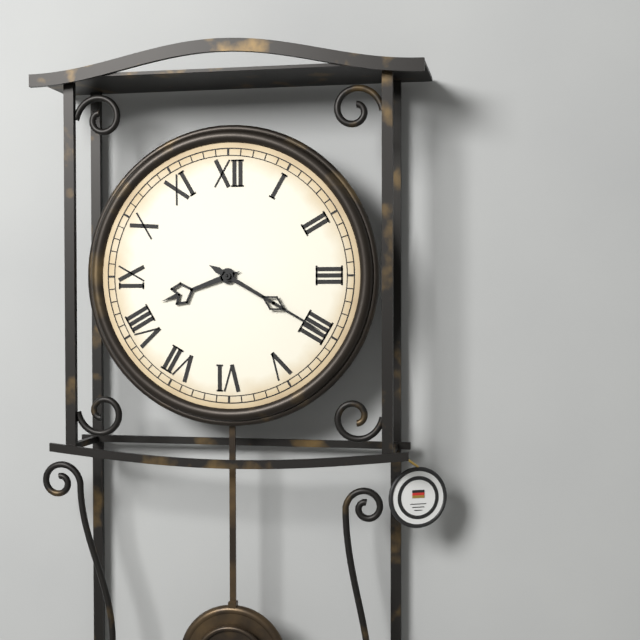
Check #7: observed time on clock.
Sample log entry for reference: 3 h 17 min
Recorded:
8 h 20 min
